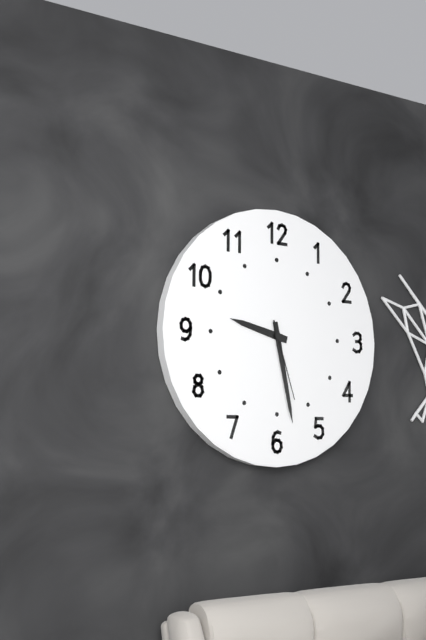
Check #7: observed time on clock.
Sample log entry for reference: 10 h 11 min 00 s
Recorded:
9 h 28 min 27 s
